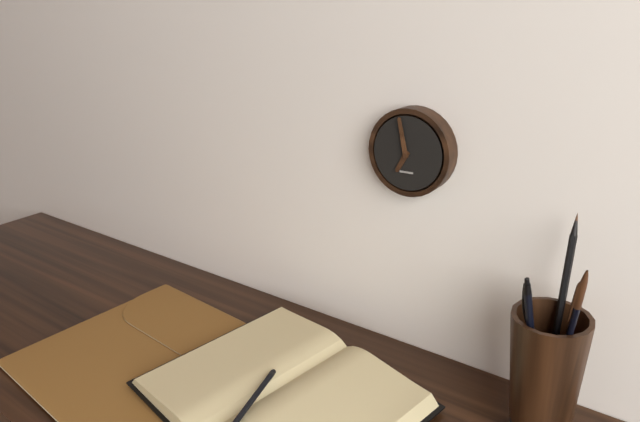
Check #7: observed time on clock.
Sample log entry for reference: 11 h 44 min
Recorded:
6 h 58 min
